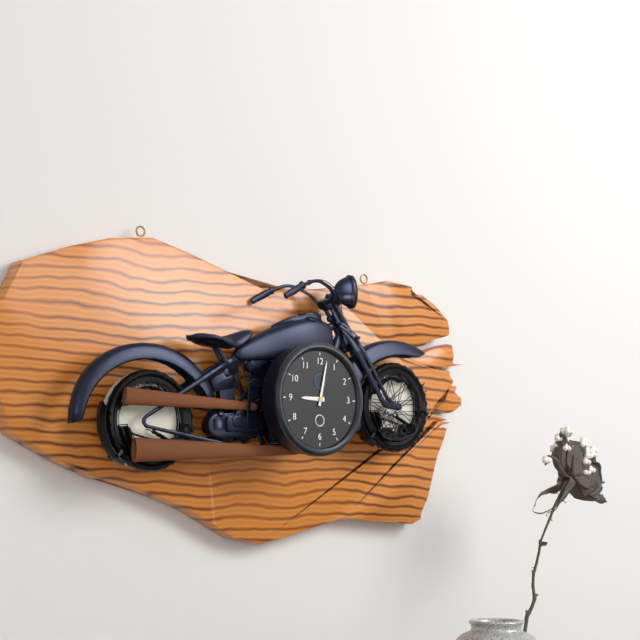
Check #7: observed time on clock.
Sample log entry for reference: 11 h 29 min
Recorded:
9 h 02 min
